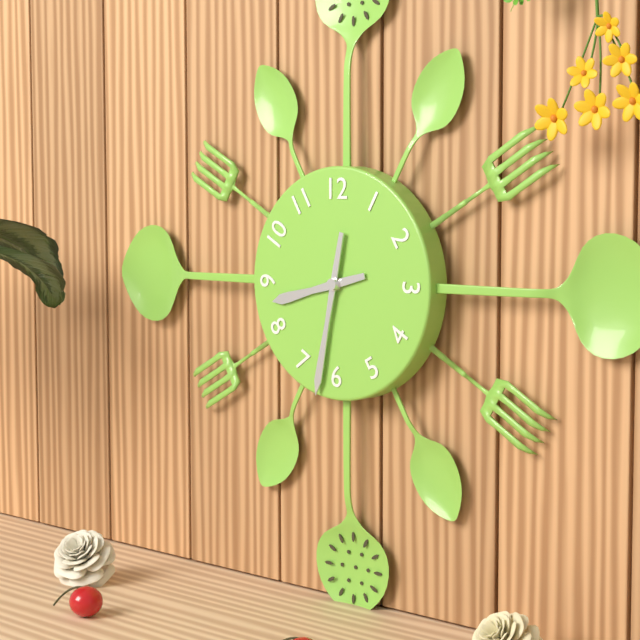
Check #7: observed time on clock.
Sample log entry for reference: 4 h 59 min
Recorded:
8 h 32 min
